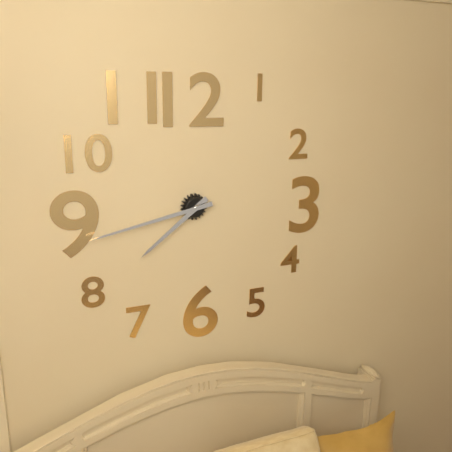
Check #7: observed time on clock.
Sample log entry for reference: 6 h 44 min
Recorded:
7 h 43 min
